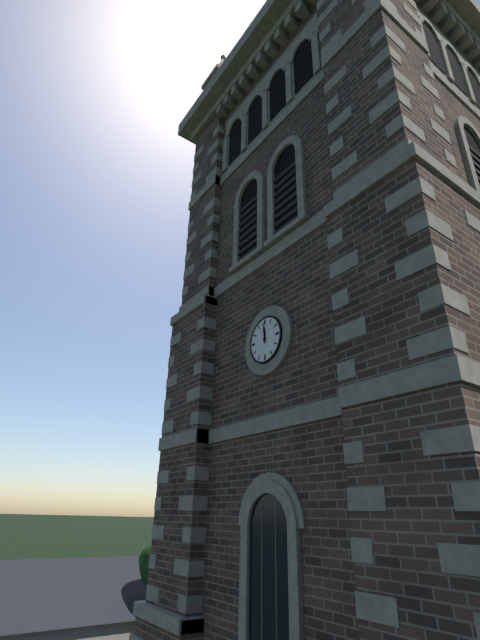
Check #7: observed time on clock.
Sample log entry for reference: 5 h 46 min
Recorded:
11 h 59 min
